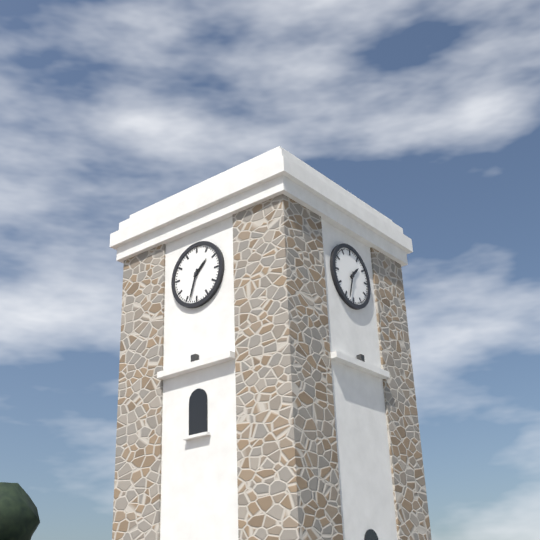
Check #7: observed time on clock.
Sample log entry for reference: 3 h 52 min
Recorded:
1 h 33 min
